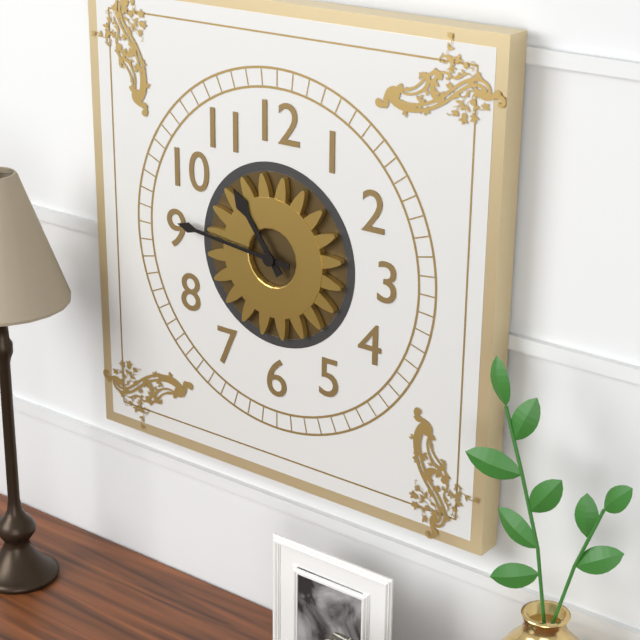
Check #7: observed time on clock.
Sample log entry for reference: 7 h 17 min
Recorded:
10 h 46 min
